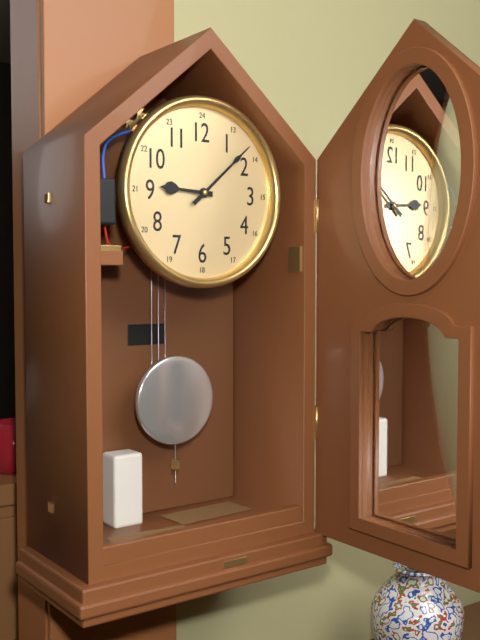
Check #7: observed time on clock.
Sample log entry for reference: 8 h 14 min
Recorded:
9 h 08 min
